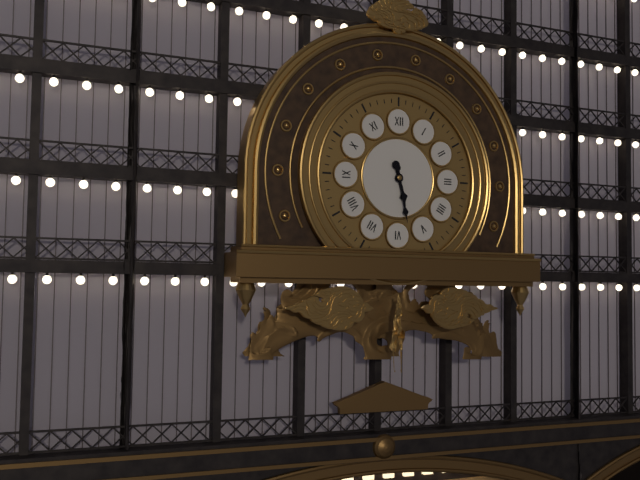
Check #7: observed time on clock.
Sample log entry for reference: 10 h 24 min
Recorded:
5 h 28 min
